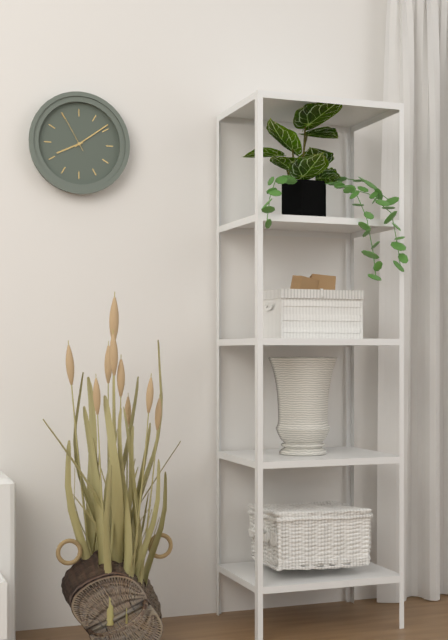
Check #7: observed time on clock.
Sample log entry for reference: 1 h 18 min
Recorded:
8 h 09 min
